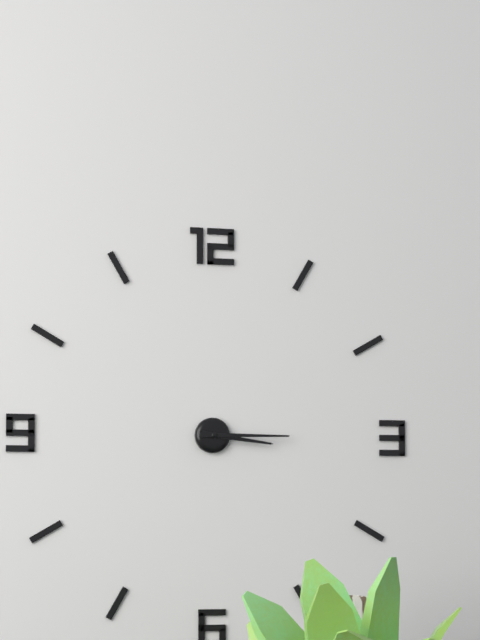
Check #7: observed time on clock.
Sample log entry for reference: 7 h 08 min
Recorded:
3 h 15 min
